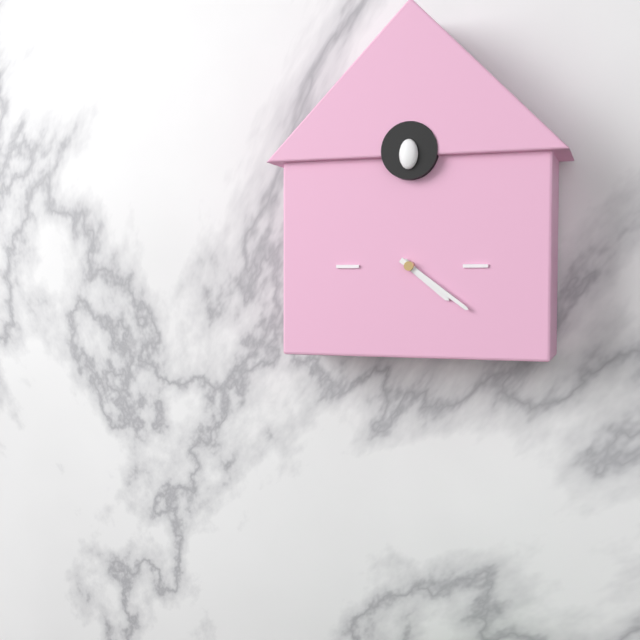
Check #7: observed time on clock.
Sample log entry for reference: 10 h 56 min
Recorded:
4 h 21 min
